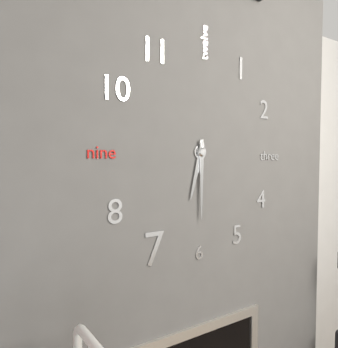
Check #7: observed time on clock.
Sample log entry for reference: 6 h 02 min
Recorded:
6 h 30 min
